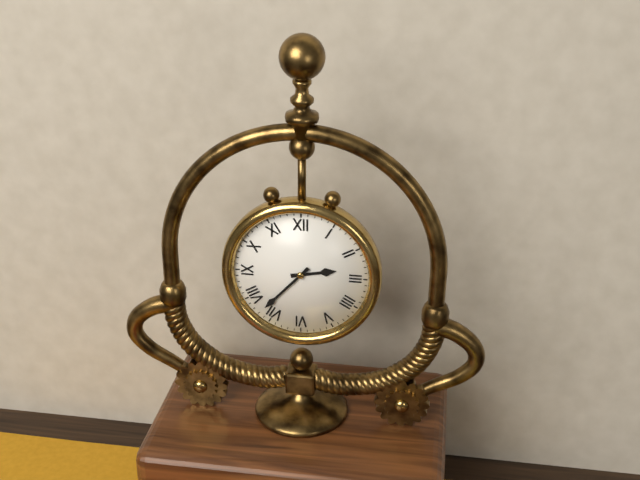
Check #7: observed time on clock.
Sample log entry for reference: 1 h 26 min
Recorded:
2 h 37 min
